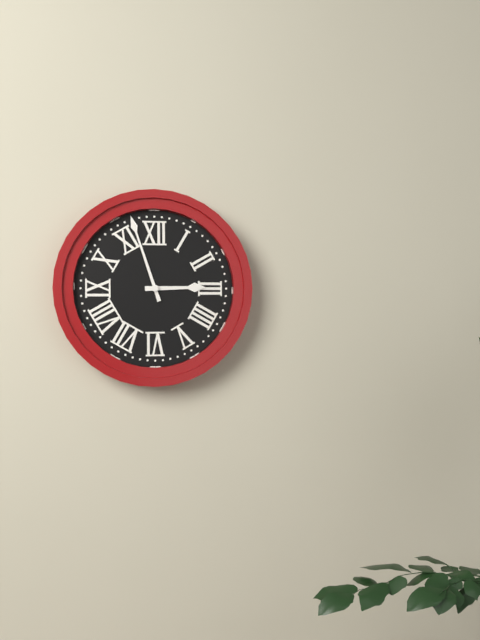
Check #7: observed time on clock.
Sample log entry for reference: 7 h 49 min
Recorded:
2 h 57 min
